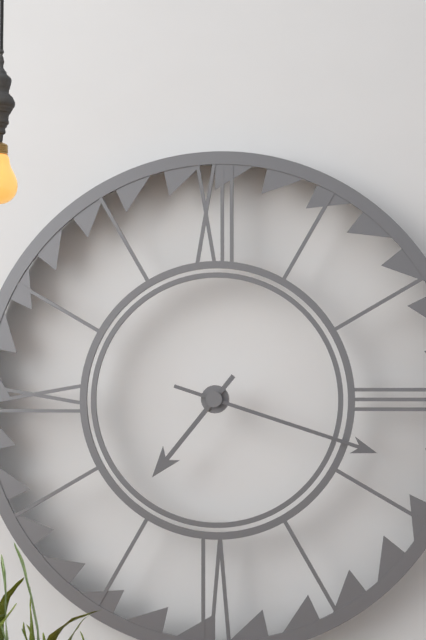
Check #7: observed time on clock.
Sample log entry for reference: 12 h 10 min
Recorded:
7 h 18 min
